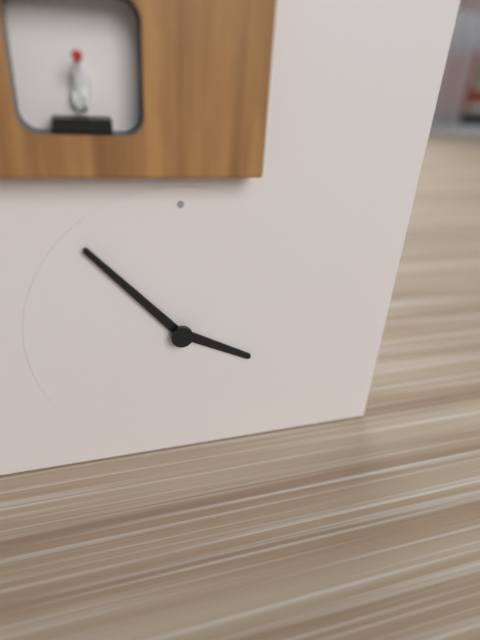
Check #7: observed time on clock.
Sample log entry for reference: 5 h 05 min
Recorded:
3 h 53 min
